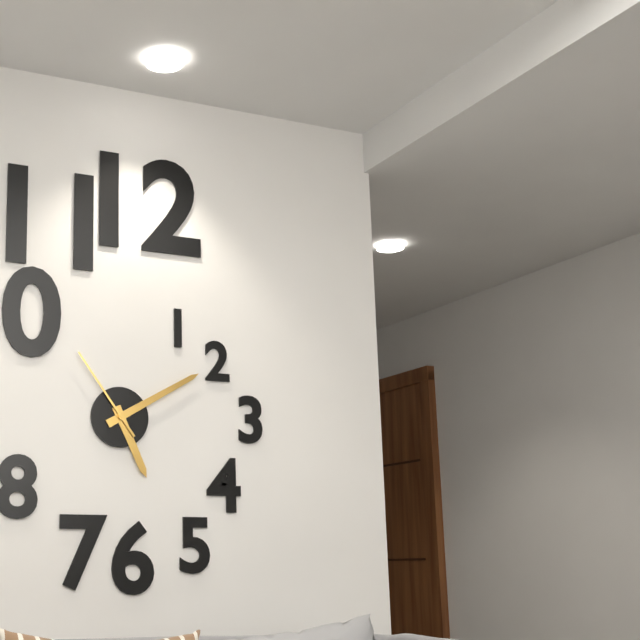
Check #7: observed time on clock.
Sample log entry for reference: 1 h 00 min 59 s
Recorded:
5 h 10 min 54 s
